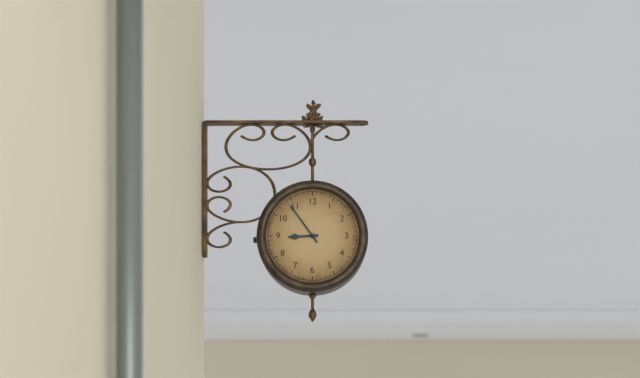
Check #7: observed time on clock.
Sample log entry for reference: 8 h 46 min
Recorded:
8 h 54 min
